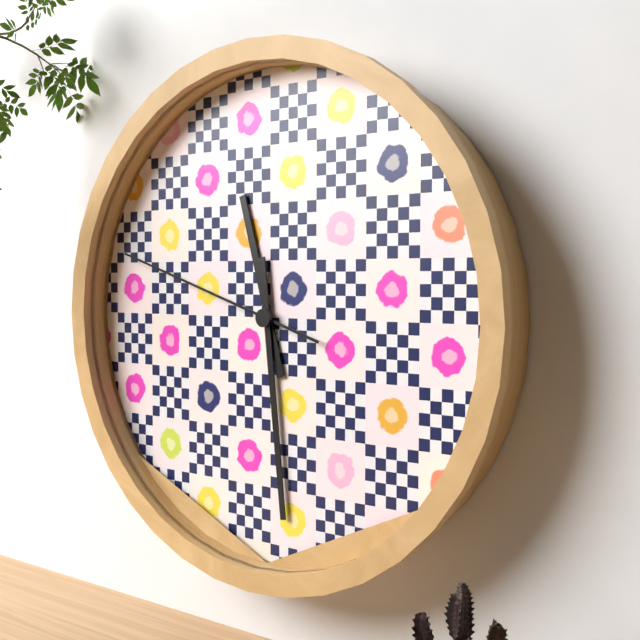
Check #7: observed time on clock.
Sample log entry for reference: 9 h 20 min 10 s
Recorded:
11 h 29 min 48 s
